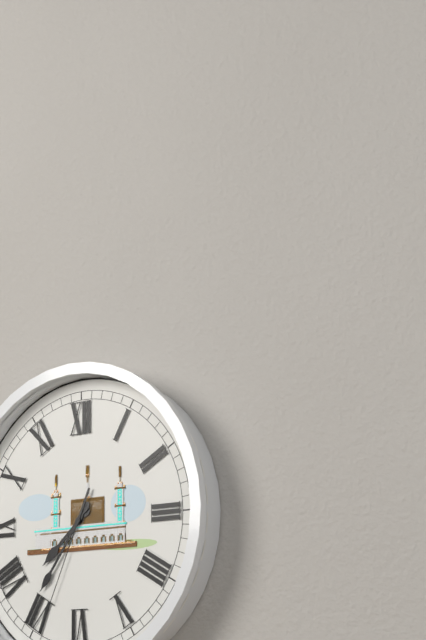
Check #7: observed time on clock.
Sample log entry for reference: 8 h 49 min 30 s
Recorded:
7 h 36 min 34 s
